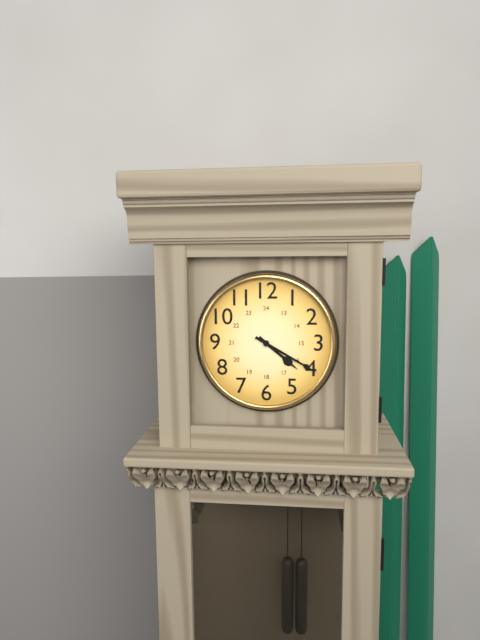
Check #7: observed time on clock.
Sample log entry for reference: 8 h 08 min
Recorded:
4 h 20 min
